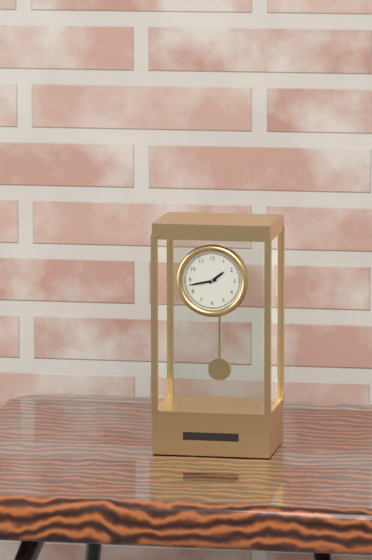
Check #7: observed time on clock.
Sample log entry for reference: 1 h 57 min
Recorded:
1 h 43 min
